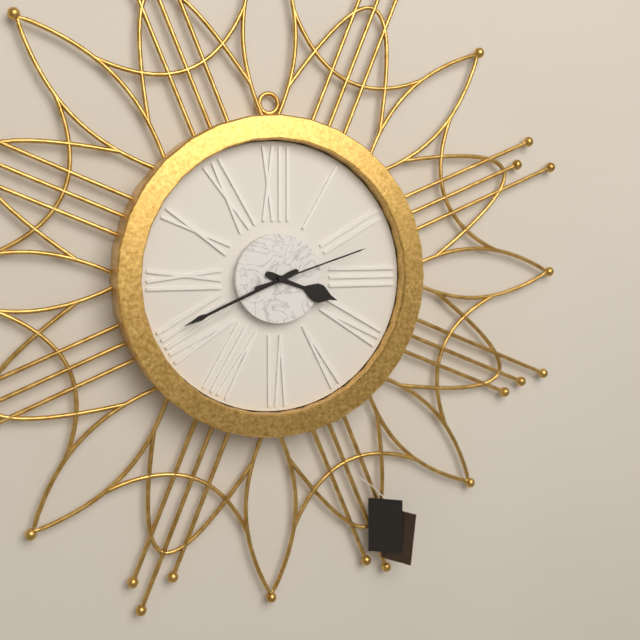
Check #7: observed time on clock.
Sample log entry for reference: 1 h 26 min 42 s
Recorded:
3 h 41 min 12 s
